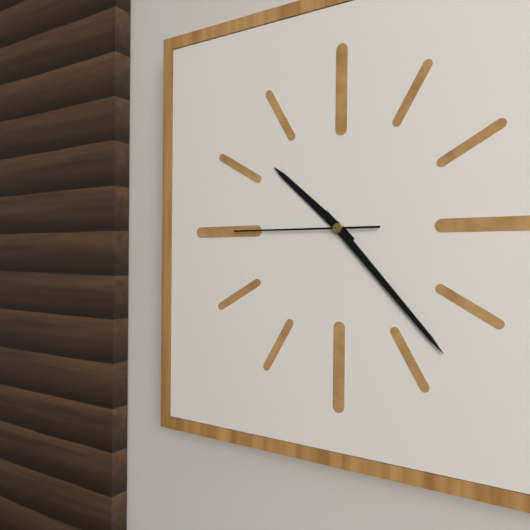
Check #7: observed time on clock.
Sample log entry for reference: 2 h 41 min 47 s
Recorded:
10 h 23 min 45 s
